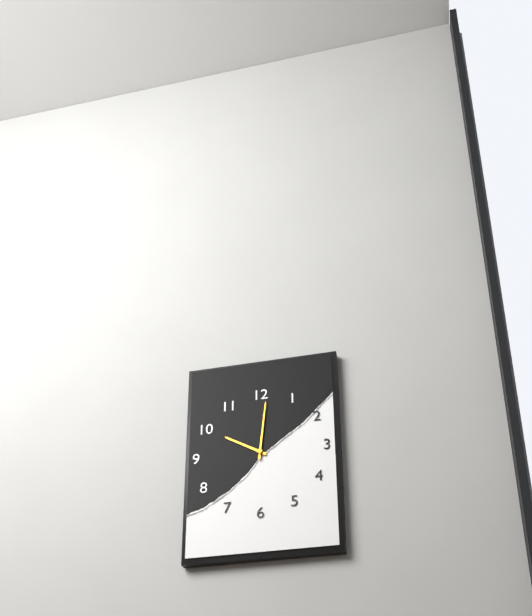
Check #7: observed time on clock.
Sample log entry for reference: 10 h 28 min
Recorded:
10 h 01 min
